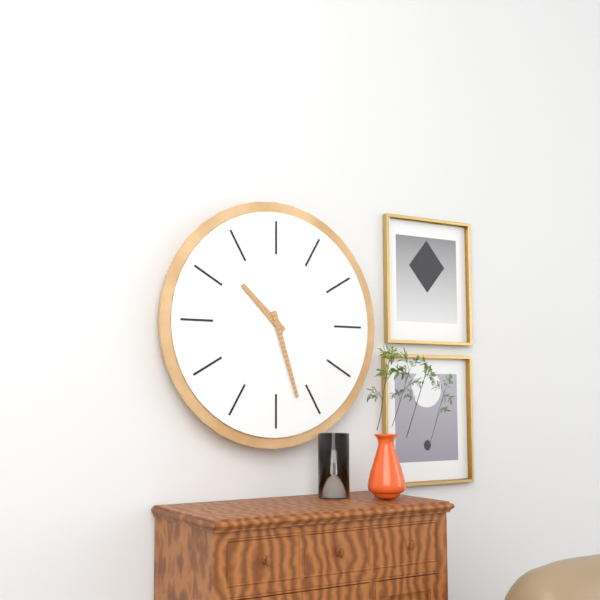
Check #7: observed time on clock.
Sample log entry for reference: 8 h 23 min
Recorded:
10 h 27 min
